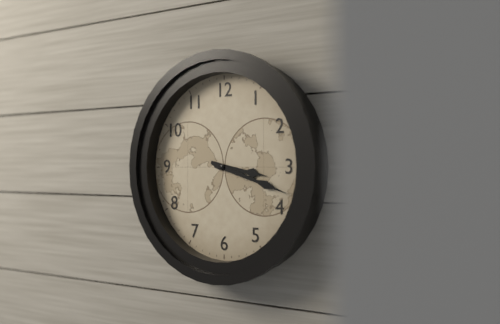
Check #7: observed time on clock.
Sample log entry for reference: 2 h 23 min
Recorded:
3 h 18 min
